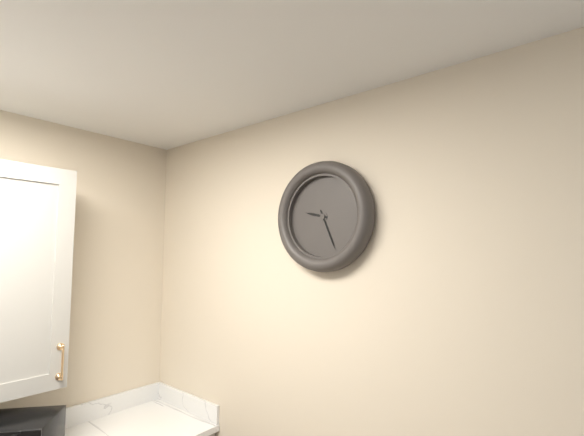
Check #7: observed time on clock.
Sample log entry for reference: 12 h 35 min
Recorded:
9 h 26 min
